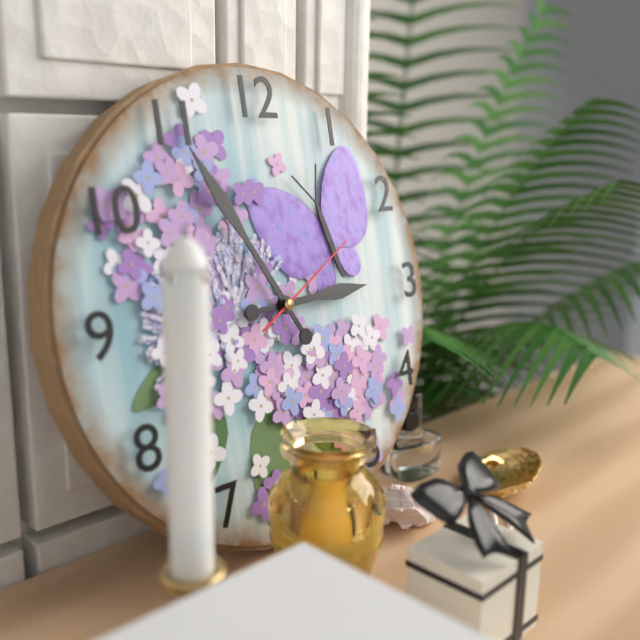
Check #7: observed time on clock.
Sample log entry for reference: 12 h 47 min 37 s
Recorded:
2 h 55 min 10 s
